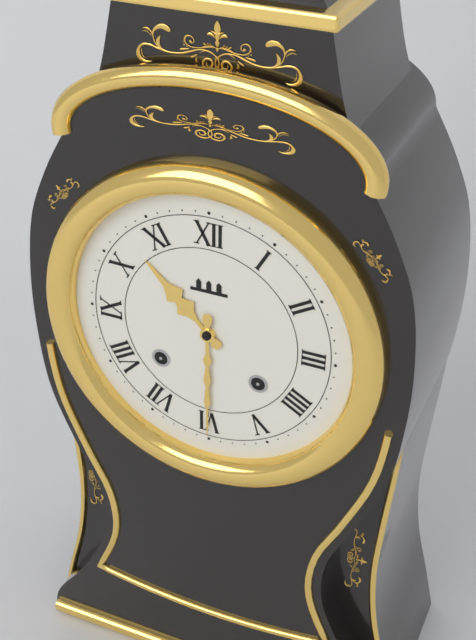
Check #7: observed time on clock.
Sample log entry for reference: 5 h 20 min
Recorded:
10 h 30 min
